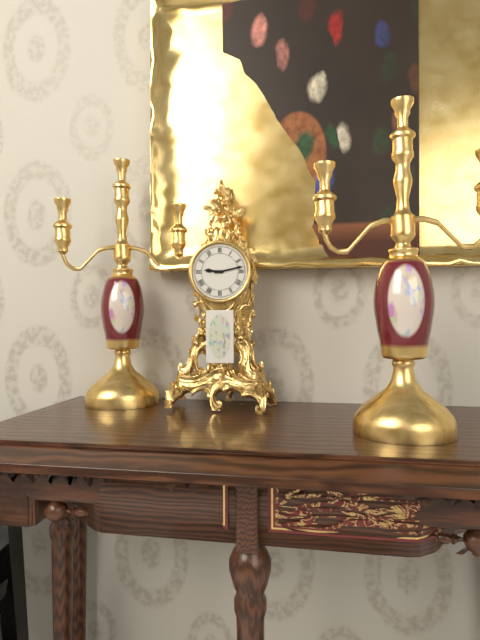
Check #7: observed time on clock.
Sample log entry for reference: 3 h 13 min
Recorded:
9 h 13 min
